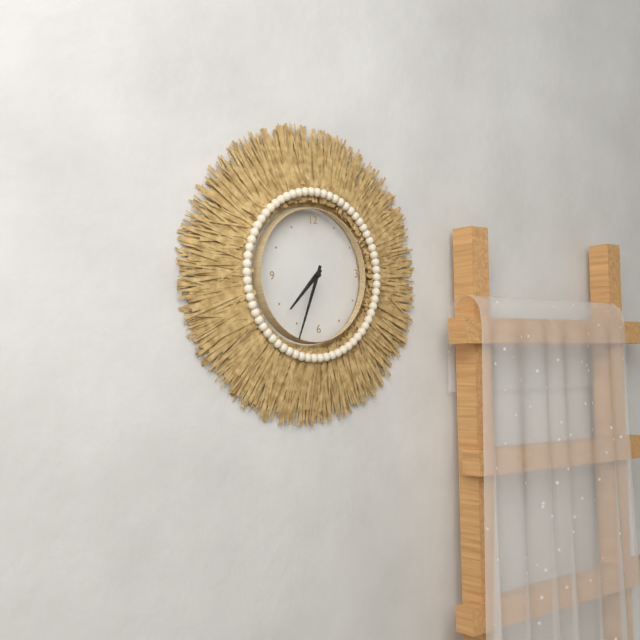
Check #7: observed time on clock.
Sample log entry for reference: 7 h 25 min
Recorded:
7 h 34 min
